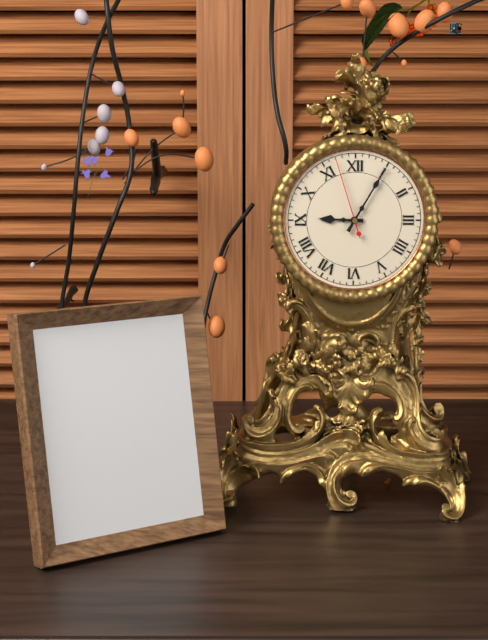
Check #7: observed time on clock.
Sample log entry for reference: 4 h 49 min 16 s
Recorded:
9 h 05 min 57 s
